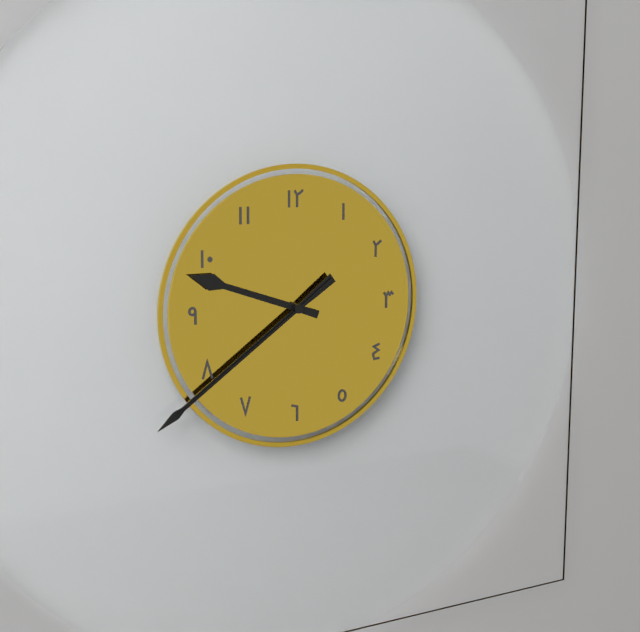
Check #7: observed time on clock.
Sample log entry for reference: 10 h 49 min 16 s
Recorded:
9 h 39 min 39 s
